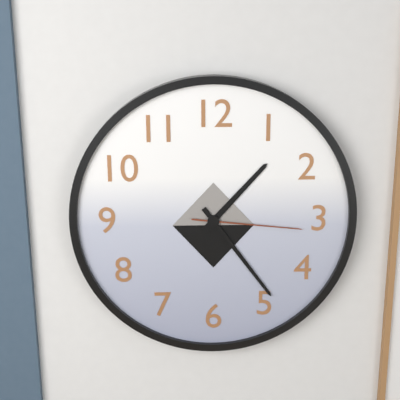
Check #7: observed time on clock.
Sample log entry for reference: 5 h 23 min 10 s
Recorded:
1 h 24 min 16 s
